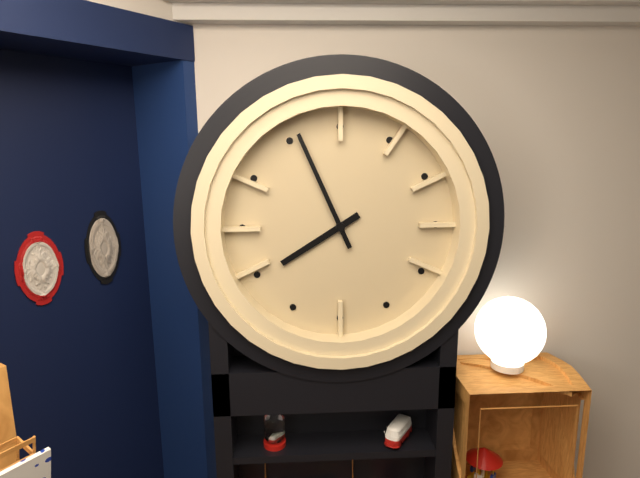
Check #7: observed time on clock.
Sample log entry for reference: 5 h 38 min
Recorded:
7 h 56 min
